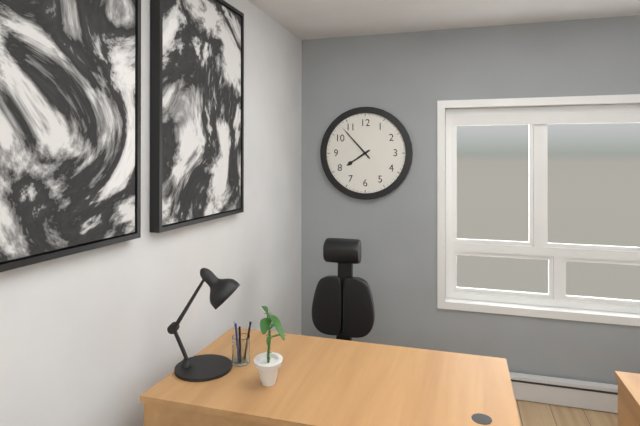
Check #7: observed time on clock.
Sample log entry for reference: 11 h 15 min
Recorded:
7 h 53 min
